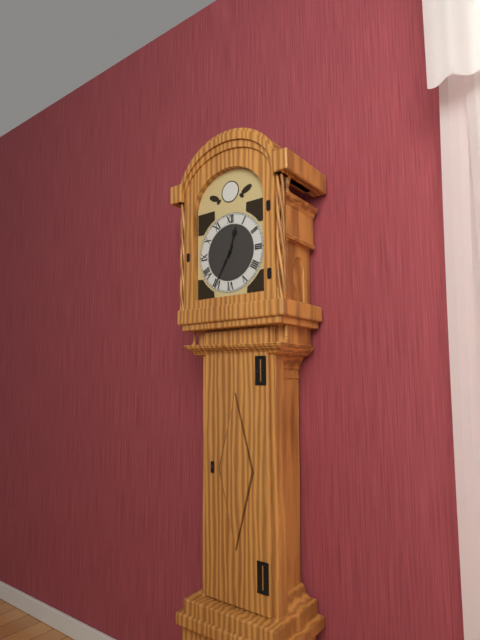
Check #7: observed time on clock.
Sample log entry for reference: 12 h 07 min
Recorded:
12 h 35 min
